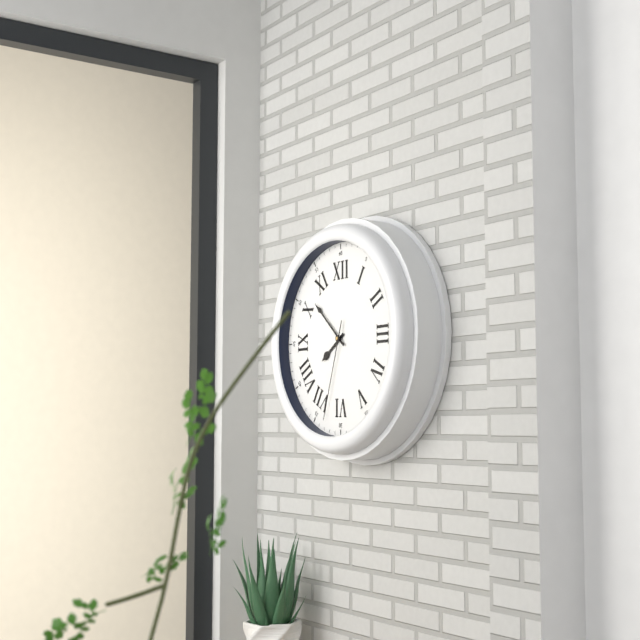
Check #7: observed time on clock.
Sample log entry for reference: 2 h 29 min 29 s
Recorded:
7 h 52 min 33 s
